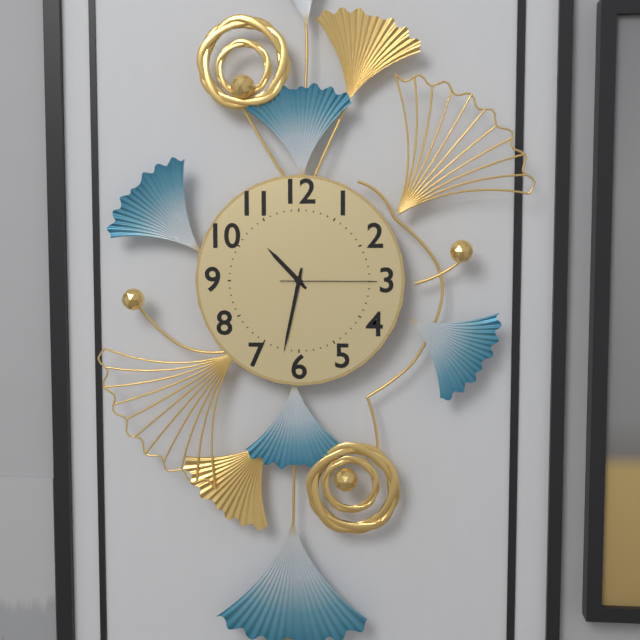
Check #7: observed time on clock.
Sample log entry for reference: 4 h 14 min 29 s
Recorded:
10 h 32 min 15 s
